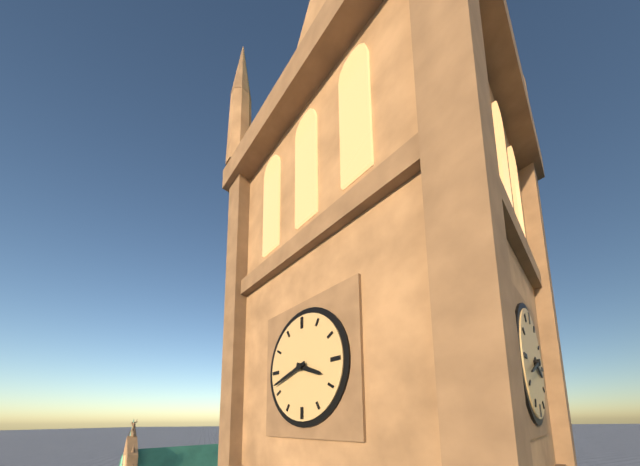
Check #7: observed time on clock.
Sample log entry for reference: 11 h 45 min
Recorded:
3 h 42 min
